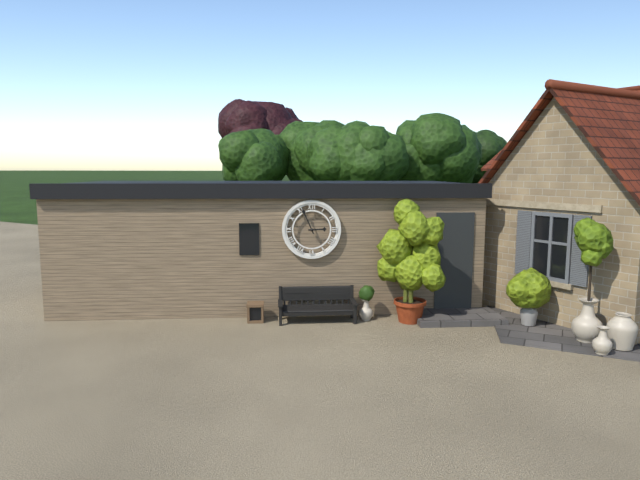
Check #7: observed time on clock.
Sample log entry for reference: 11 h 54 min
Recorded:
2 h 56 min
